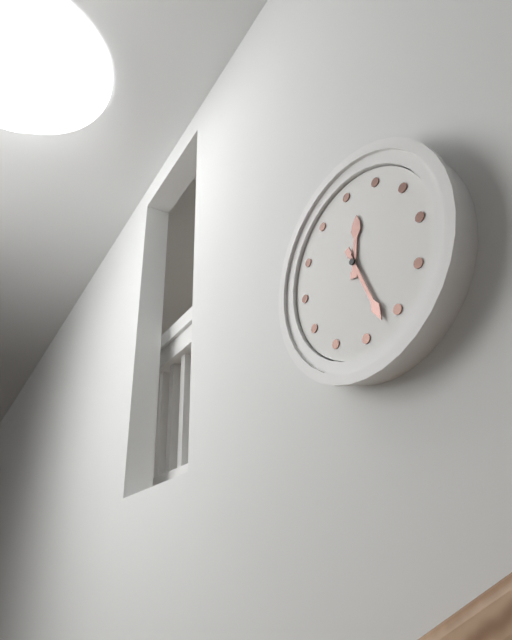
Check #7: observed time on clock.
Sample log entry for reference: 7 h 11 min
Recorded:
12 h 27 min
